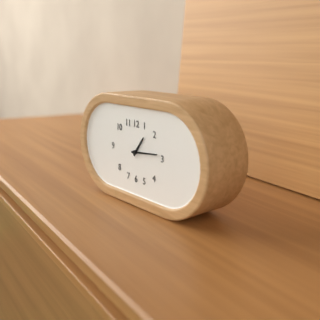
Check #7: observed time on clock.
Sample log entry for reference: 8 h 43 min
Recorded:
1 h 14 min
